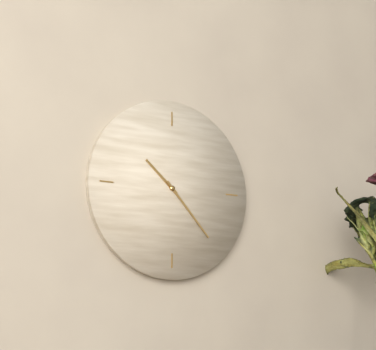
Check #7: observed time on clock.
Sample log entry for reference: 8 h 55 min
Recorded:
10 h 23 min
